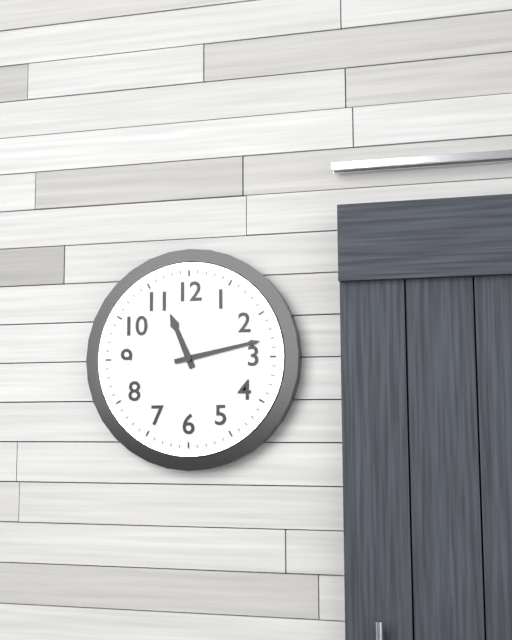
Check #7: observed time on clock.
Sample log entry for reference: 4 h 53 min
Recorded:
11 h 13 min
